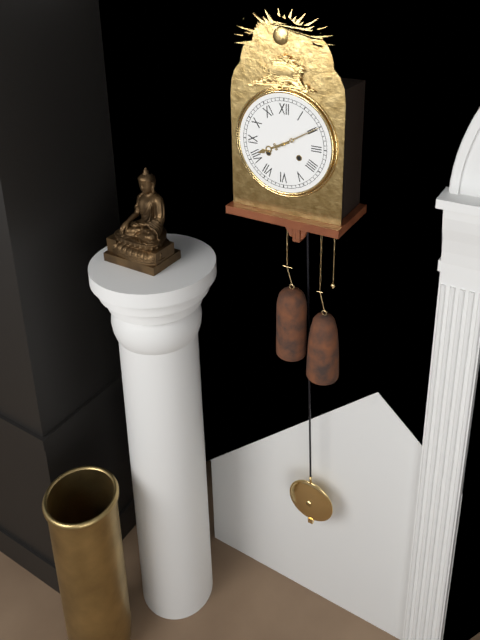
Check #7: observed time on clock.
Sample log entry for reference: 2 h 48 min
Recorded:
8 h 10 min
